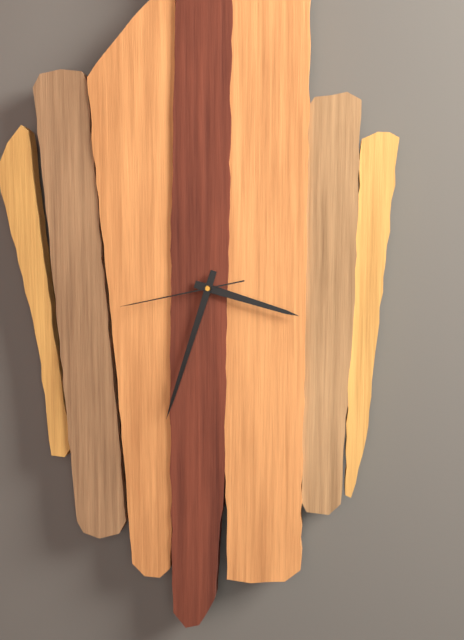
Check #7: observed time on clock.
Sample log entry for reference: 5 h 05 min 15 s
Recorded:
3 h 33 min 43 s
